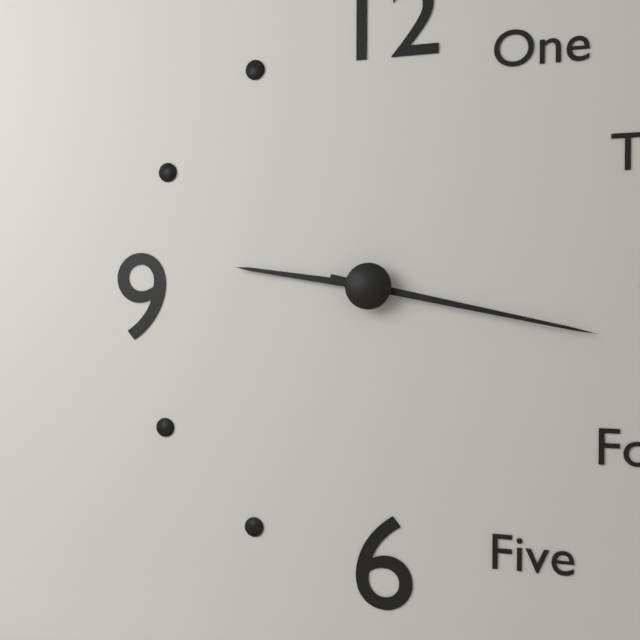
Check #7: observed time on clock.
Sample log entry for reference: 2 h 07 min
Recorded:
9 h 17 min
